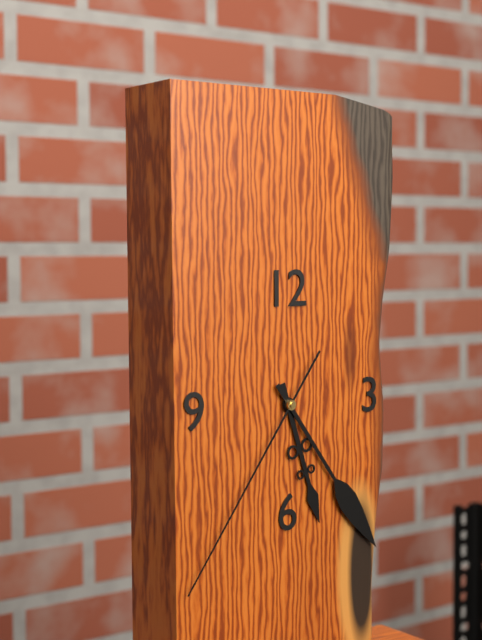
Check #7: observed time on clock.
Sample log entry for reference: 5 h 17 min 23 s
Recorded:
5 h 24 min 36 s
